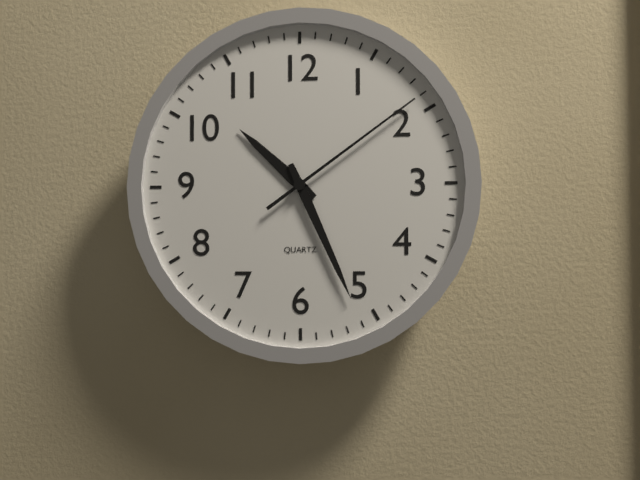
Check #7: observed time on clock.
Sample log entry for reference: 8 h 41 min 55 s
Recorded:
10 h 26 min 09 s
